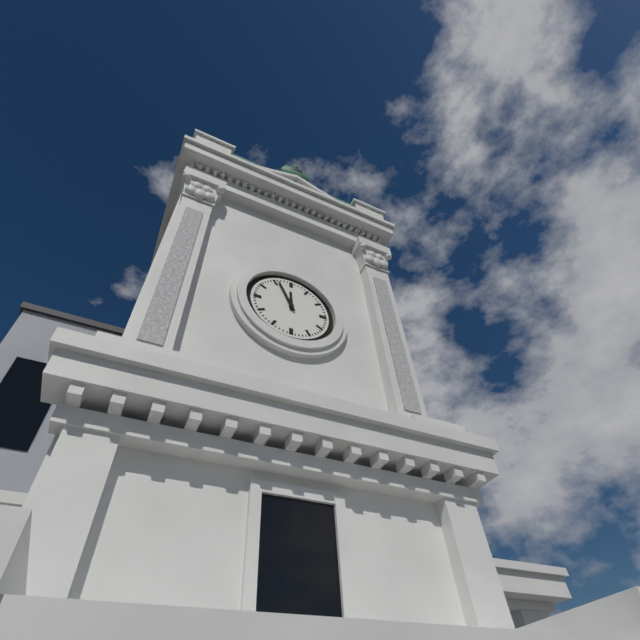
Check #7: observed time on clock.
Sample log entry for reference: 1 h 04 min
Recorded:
11 h 56 min
